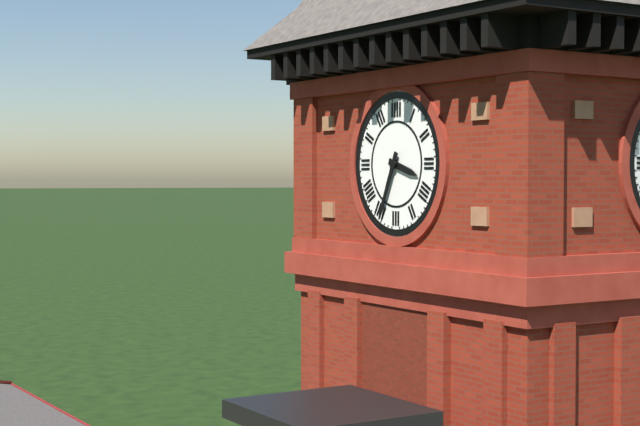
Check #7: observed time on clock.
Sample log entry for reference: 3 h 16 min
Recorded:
3 h 34 min
